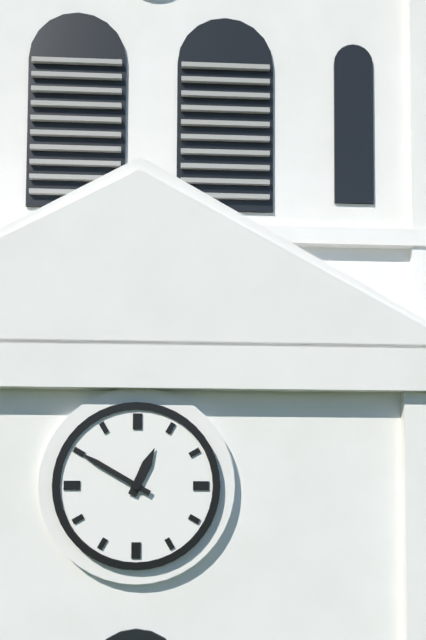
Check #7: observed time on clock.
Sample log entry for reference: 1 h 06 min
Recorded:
12 h 50 min
